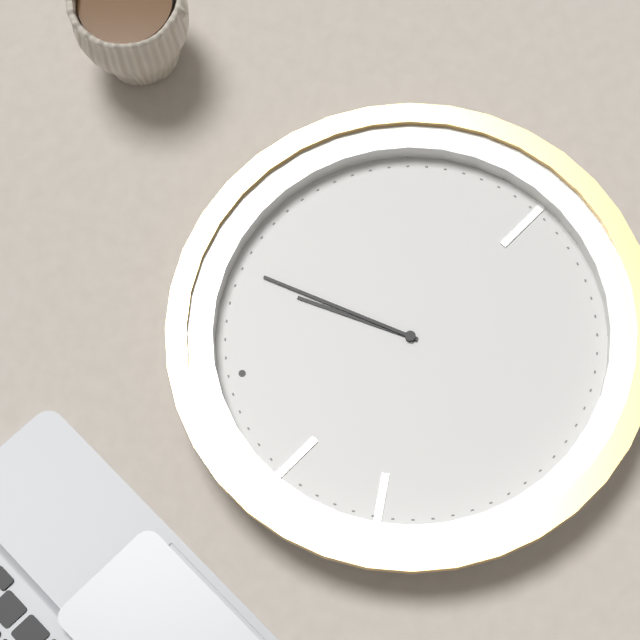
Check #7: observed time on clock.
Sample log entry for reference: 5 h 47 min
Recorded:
1 h 06 min
